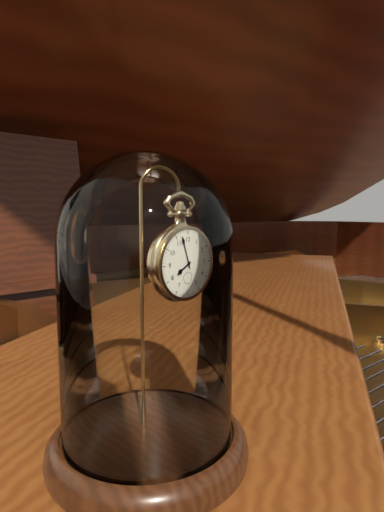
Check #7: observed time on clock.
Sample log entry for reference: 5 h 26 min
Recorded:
7 h 57 min
